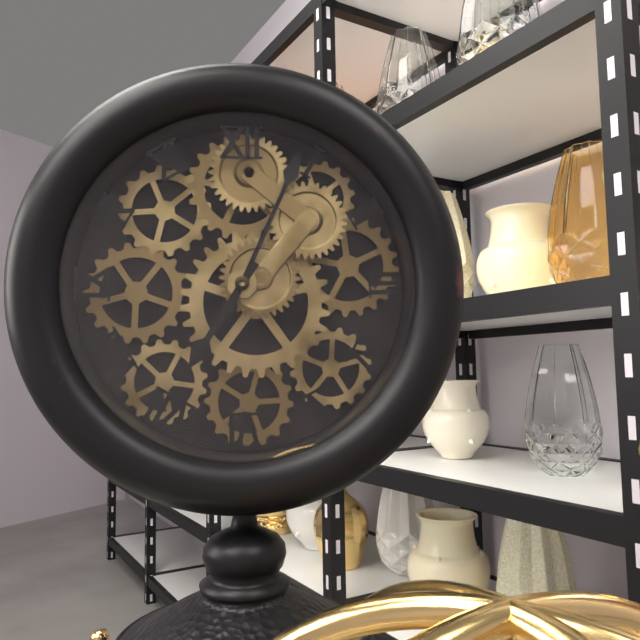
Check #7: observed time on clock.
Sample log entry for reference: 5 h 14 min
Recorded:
7 h 04 min
